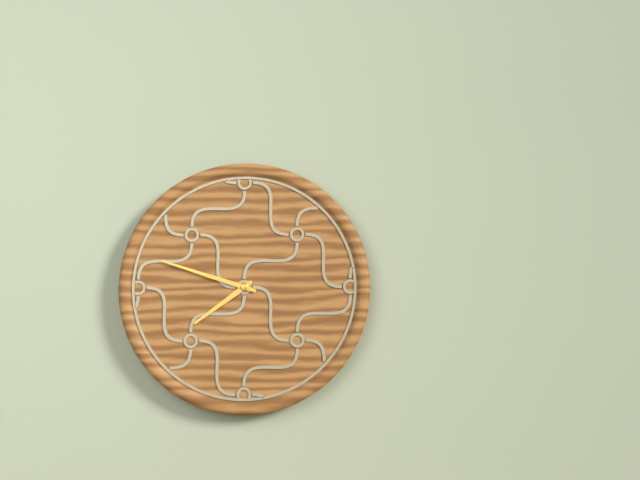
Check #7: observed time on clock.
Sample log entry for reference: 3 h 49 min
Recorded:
7 h 48 min
